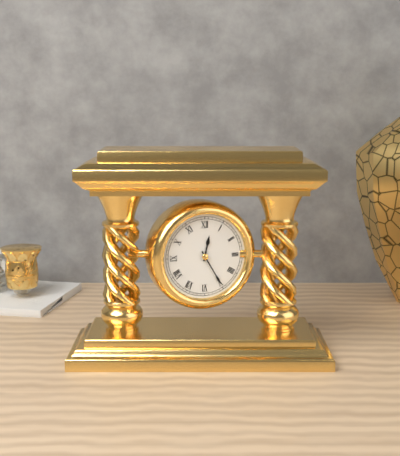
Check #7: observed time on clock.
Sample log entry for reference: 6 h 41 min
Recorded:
12 h 25 min
